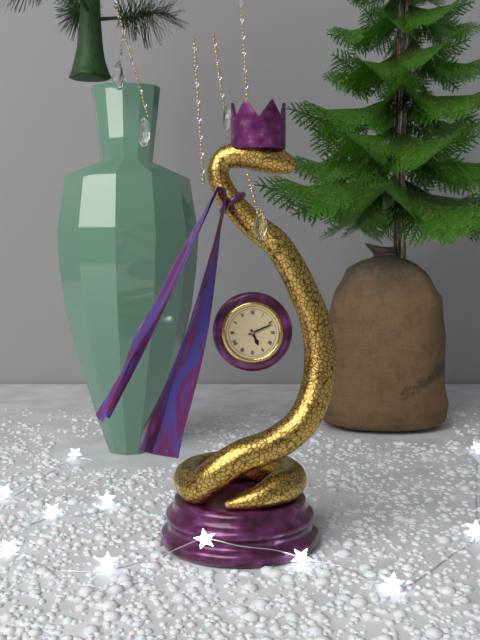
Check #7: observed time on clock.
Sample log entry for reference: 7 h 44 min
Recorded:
5 h 11 min
